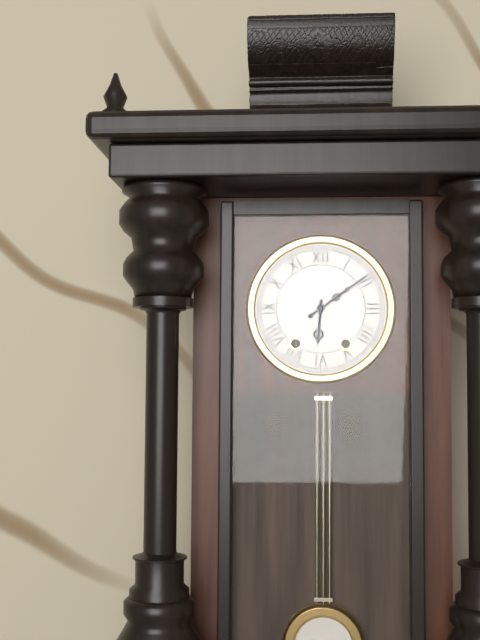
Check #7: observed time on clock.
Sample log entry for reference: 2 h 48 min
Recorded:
6 h 09 min
